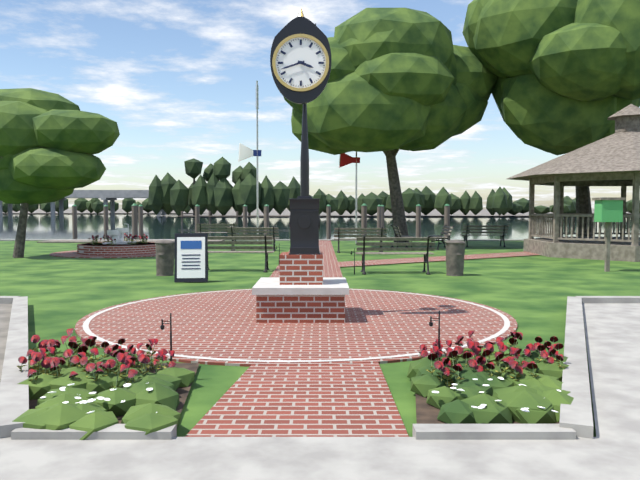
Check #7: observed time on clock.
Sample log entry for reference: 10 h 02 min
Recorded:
3 h 42 min
